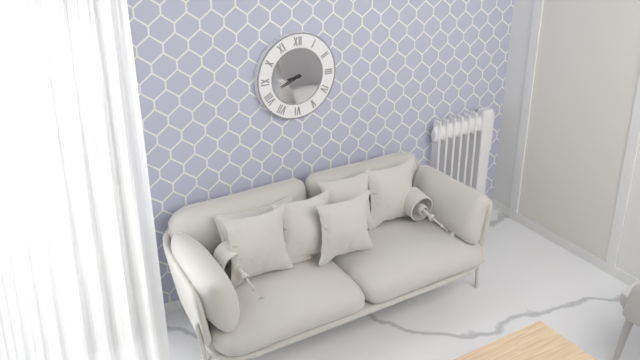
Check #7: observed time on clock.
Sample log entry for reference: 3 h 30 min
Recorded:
8 h 41 min
